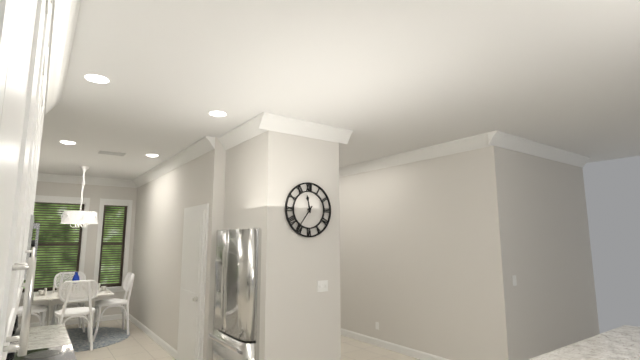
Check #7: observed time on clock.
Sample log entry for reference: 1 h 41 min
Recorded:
11 h 36 min
